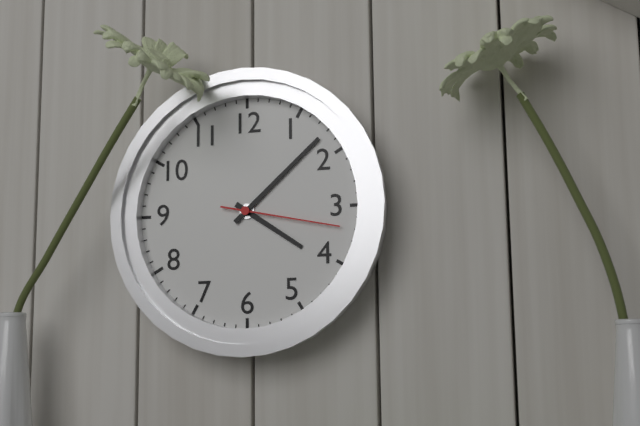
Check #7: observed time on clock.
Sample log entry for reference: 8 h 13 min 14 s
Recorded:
4 h 08 min 17 s
